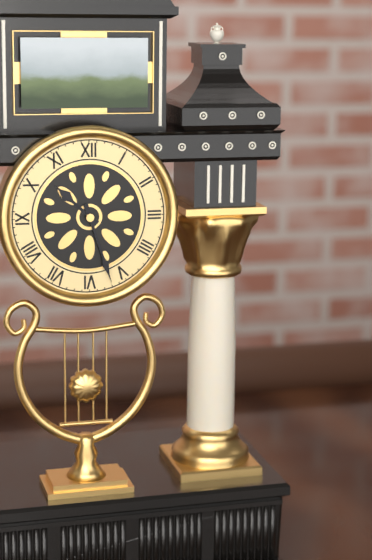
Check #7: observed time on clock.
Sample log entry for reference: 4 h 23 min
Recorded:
10 h 27 min
